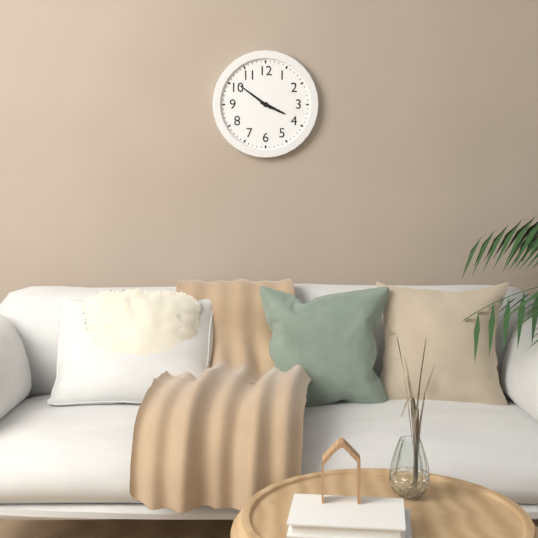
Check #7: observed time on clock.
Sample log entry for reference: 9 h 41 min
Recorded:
3 h 51 min
